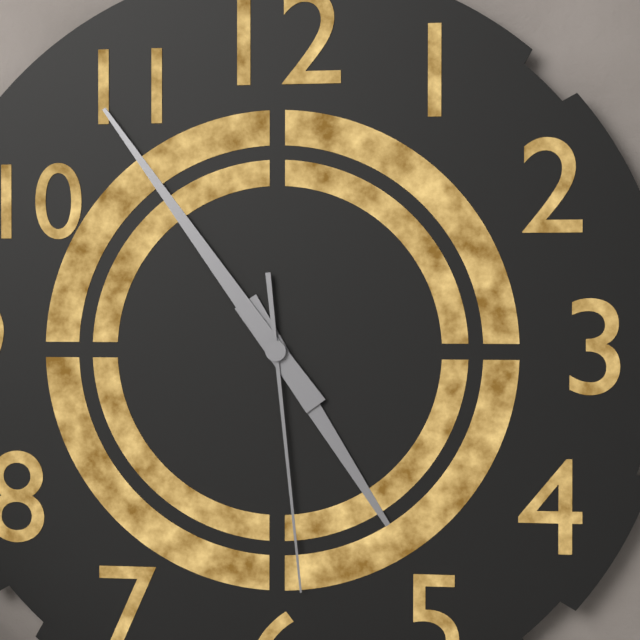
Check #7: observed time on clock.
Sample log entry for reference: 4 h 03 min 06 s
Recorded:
4 h 54 min 29 s
